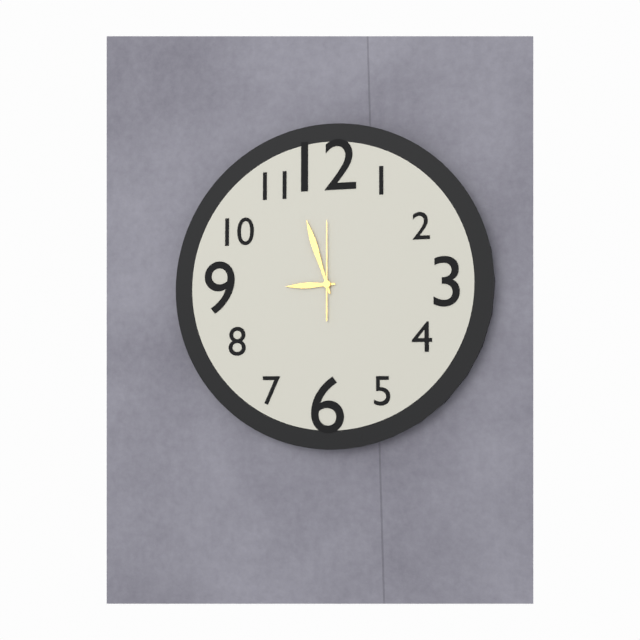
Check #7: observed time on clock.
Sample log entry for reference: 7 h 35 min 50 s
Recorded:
8 h 57 min 00 s
